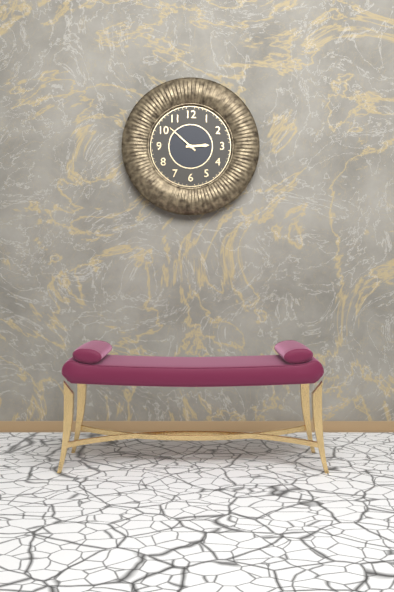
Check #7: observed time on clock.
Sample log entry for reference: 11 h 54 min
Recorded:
2 h 52 min
